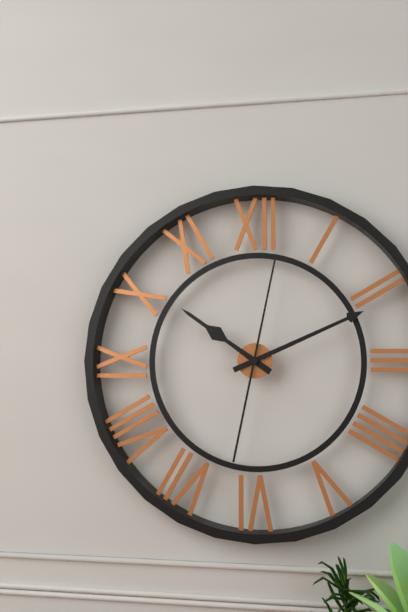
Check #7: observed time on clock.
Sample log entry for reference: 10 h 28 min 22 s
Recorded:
10 h 11 min 02 s
